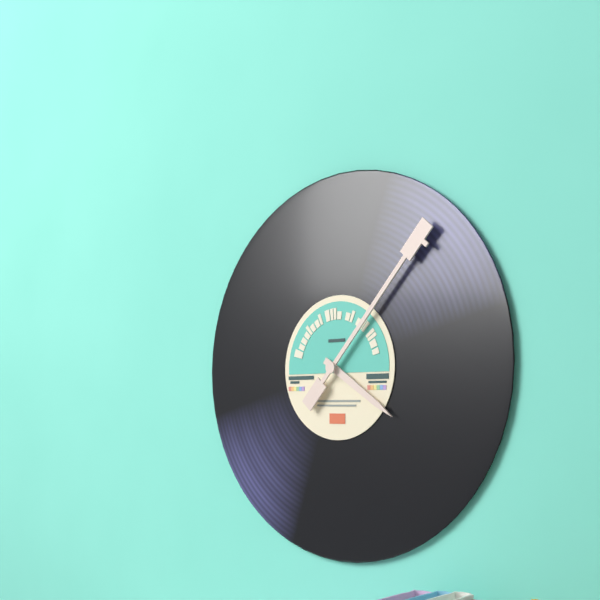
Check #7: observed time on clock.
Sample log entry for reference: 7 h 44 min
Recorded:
4 h 07 min
